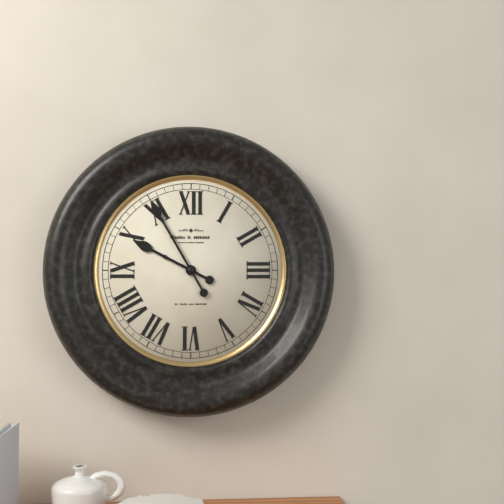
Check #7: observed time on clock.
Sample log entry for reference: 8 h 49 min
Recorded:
9 h 55 min
